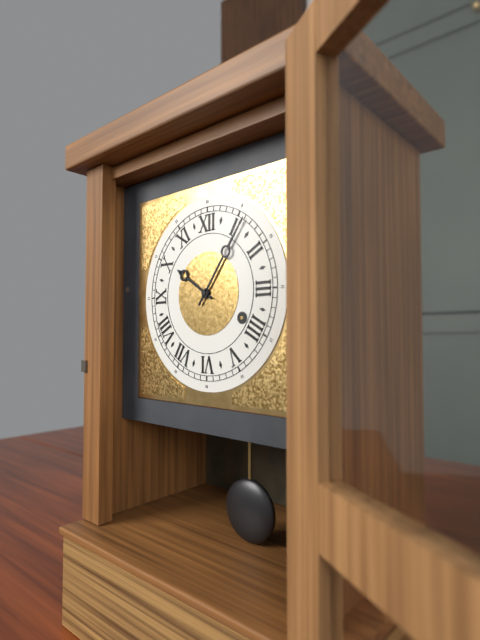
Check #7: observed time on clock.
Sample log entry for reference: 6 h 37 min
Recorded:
10 h 06 min
